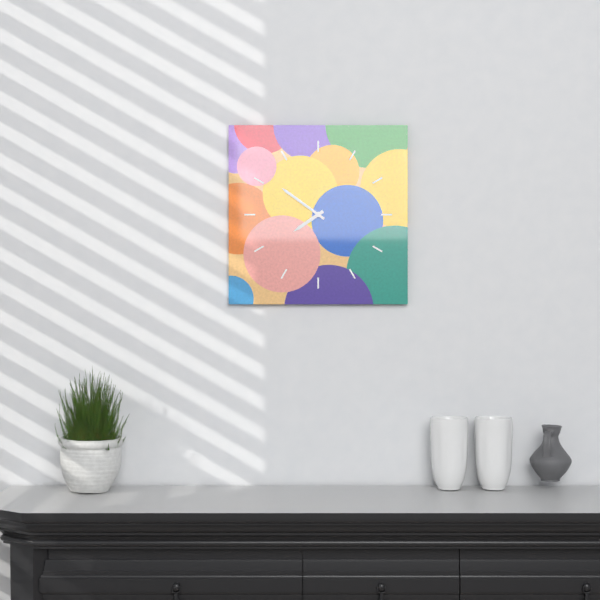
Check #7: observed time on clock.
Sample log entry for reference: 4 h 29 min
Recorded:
7 h 51 min
